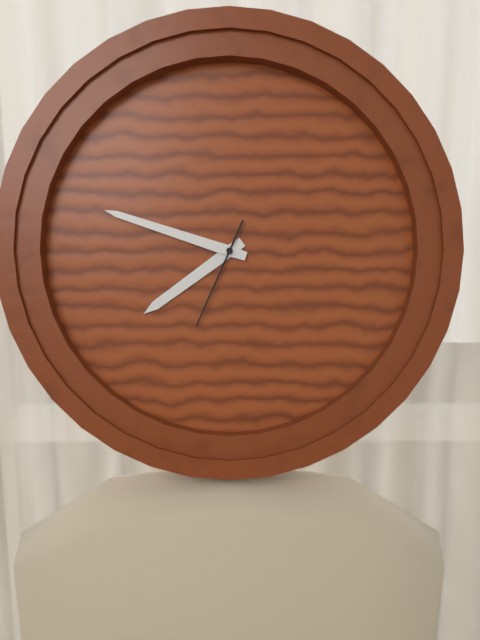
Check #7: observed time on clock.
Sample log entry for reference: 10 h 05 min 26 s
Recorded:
7 h 48 min 34 s
